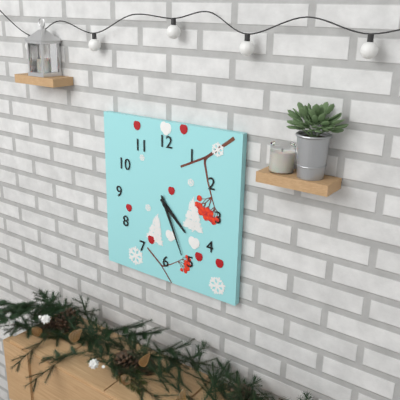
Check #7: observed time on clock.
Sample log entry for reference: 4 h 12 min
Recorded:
4 h 26 min
